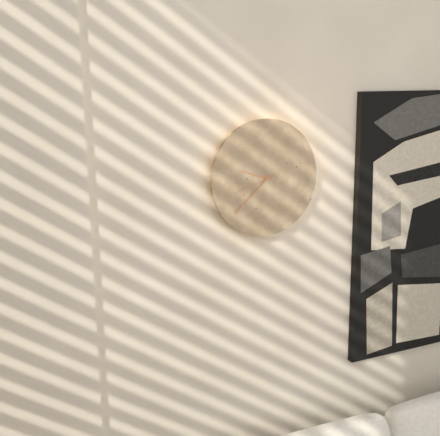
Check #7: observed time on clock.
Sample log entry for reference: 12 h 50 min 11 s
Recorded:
9 h 38 min 42 s
